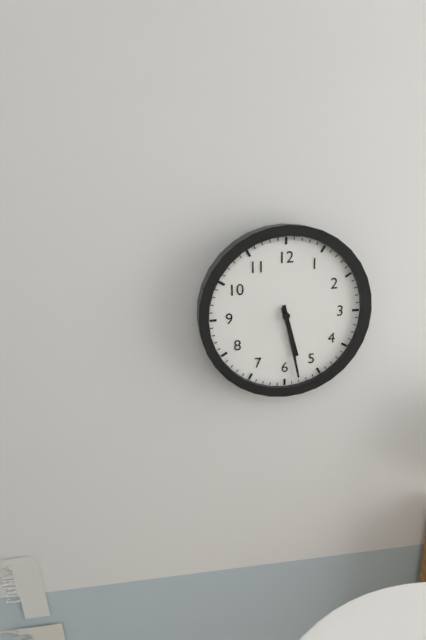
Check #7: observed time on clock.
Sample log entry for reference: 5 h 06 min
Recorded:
5 h 28 min
